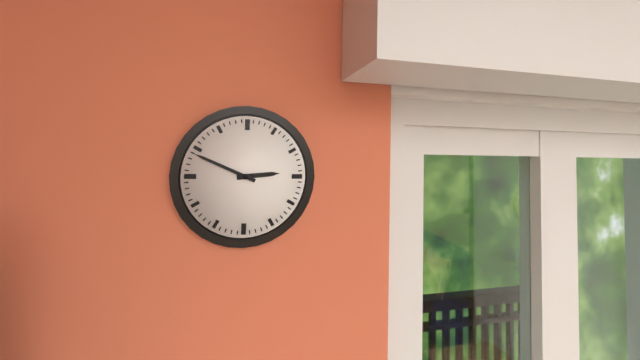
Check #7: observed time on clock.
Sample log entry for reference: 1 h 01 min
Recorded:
2 h 49 min
